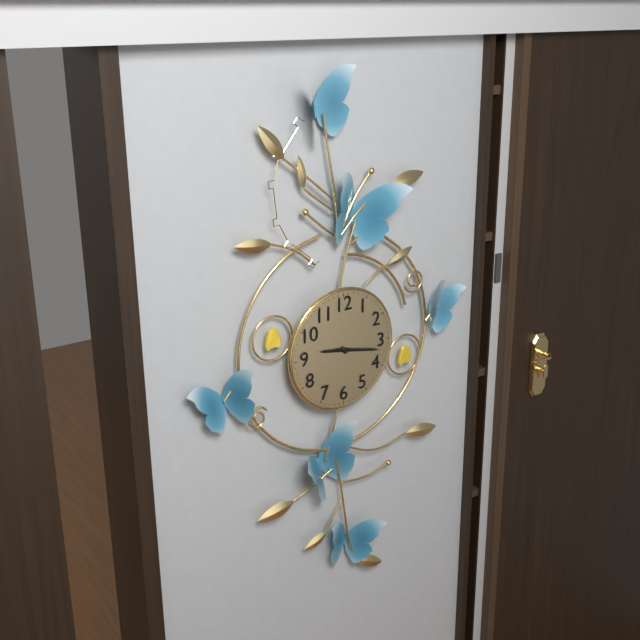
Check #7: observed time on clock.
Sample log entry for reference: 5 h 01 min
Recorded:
9 h 17 min
